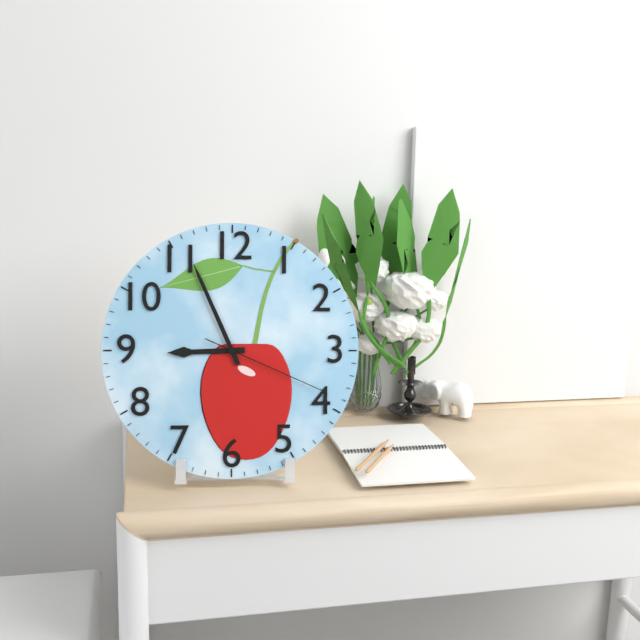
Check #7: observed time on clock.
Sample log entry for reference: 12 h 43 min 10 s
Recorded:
8 h 56 min 19 s
